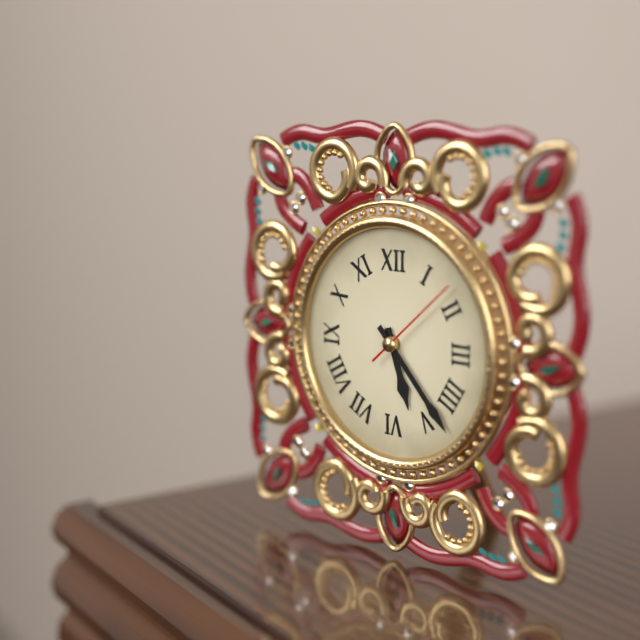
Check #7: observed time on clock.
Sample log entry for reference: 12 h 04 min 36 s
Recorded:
5 h 23 min 08 s
